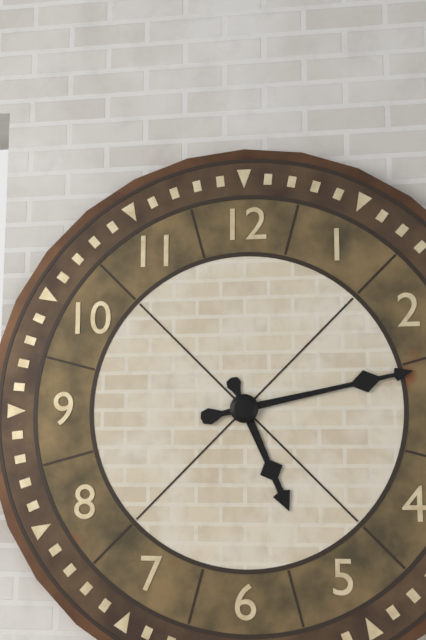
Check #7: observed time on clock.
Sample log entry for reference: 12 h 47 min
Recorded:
5 h 13 min
